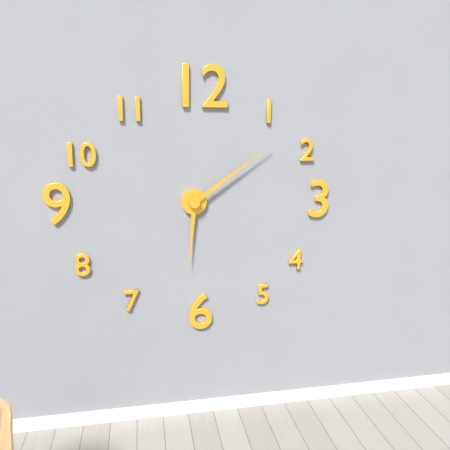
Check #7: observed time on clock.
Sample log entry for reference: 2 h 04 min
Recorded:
6 h 09 min
